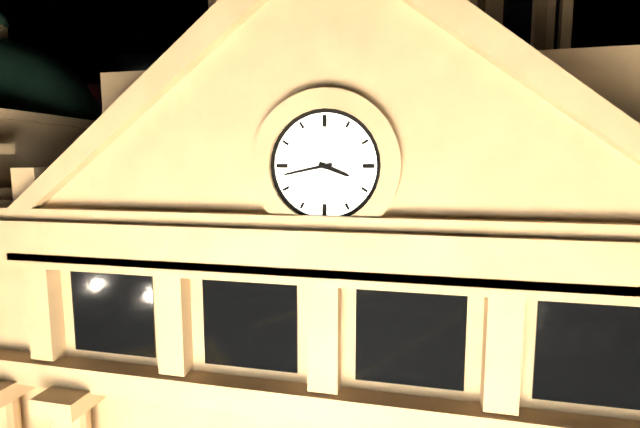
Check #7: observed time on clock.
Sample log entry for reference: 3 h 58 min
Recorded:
3 h 43 min
